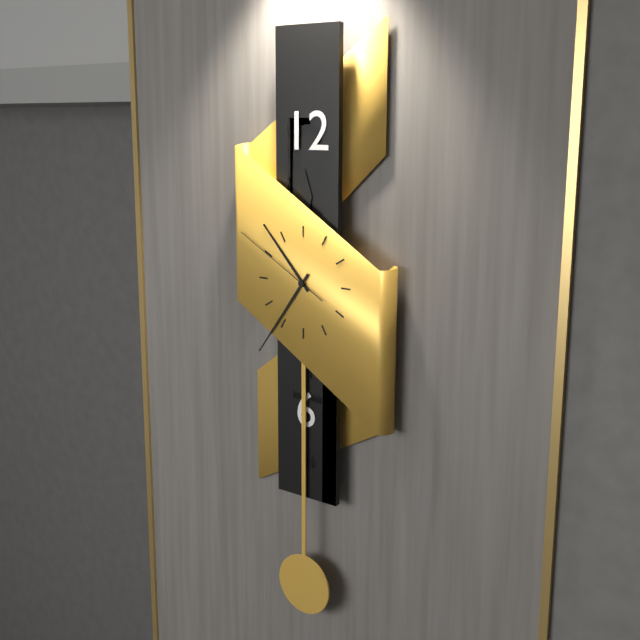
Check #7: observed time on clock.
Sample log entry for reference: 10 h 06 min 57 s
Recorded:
10 h 36 min 50 s
